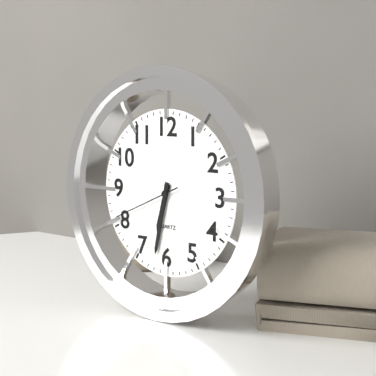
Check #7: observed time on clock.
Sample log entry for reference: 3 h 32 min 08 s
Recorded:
6 h 32 min 41 s
